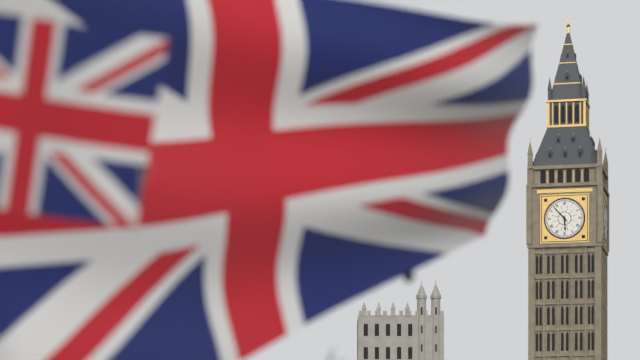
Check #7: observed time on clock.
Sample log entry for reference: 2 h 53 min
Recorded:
5 h 53 min
